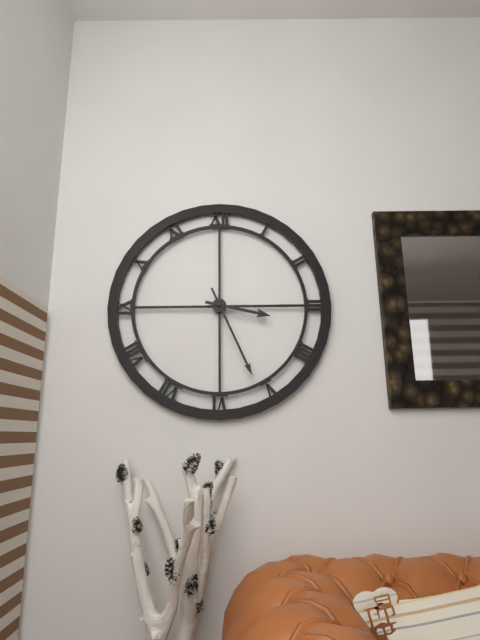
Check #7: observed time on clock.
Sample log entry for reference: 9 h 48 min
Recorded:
3 h 26 min
